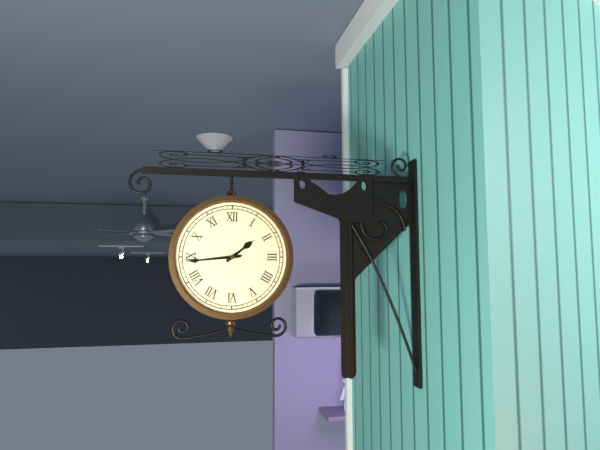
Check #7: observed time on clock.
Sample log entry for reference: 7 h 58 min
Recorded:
1 h 44 min
